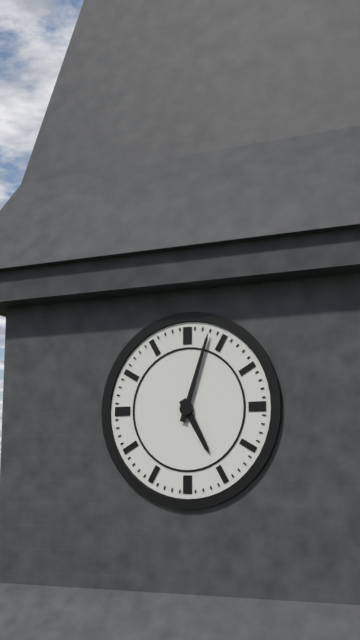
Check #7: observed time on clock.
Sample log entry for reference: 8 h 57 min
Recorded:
5 h 03 min
